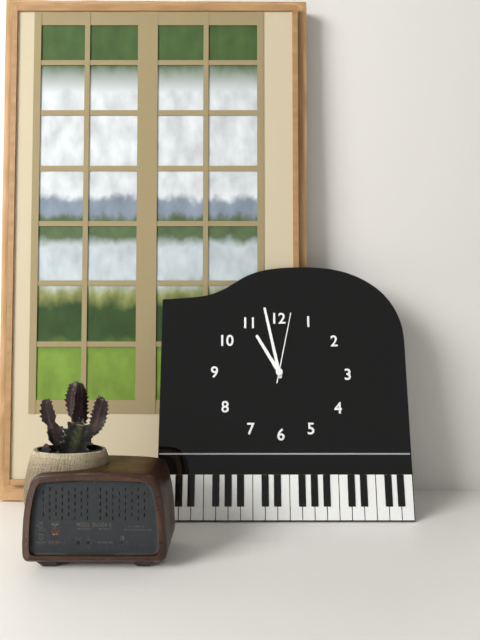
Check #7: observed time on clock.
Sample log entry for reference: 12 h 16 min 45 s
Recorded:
10 h 58 min 02 s
